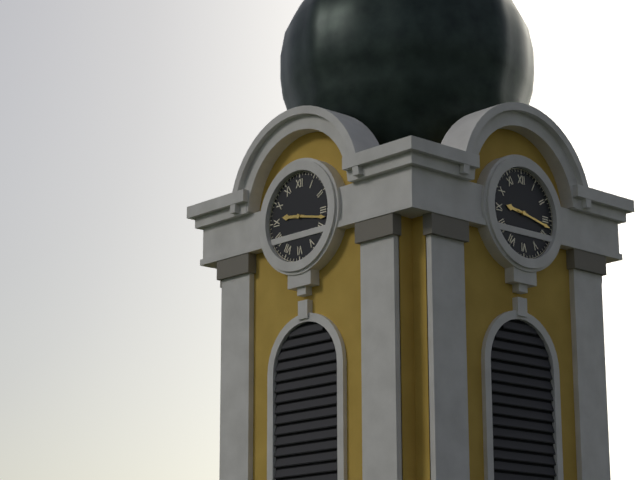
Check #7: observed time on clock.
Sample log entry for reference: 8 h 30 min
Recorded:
9 h 17 min
